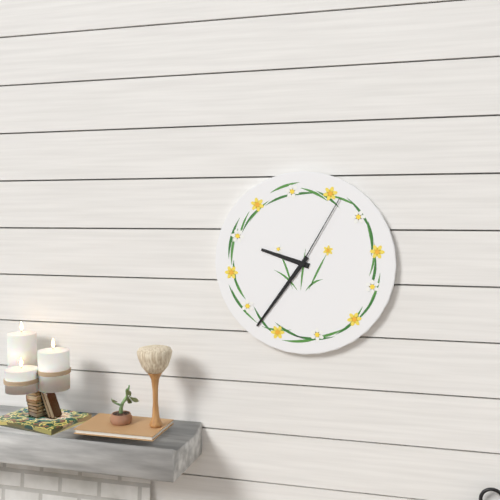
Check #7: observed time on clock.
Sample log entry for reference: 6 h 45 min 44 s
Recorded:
9 h 36 min 05 s
